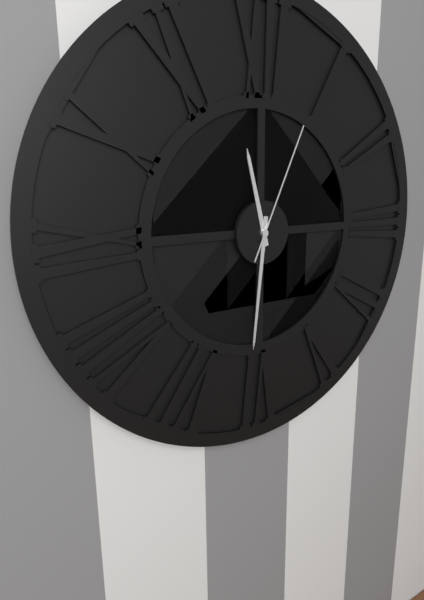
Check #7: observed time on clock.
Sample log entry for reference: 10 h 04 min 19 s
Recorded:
11 h 31 min 04 s
